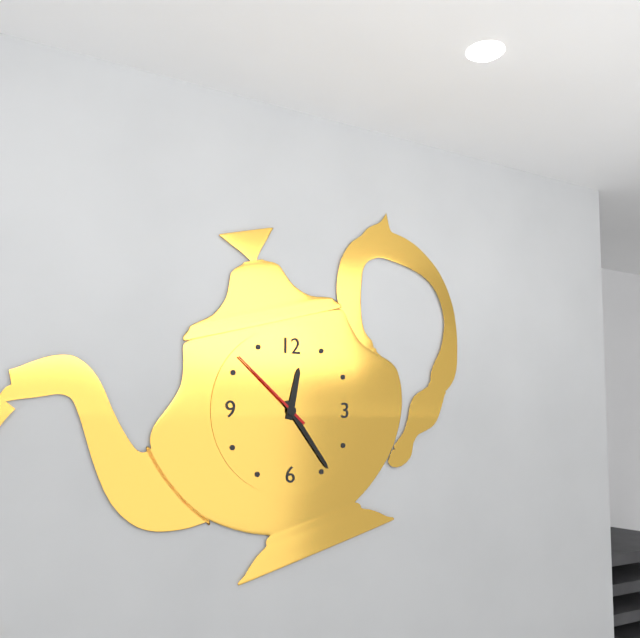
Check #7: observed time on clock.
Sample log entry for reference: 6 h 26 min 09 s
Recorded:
12 h 24 min 52 s
